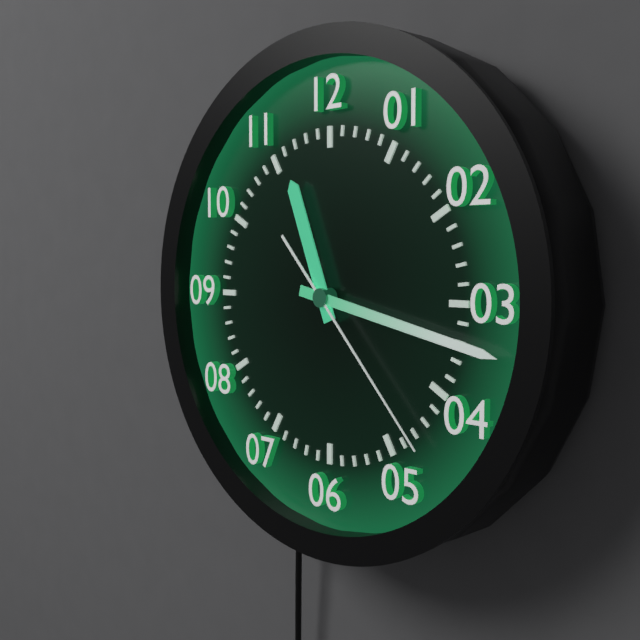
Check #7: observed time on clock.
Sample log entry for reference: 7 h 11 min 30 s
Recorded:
11 h 17 min 23 s
